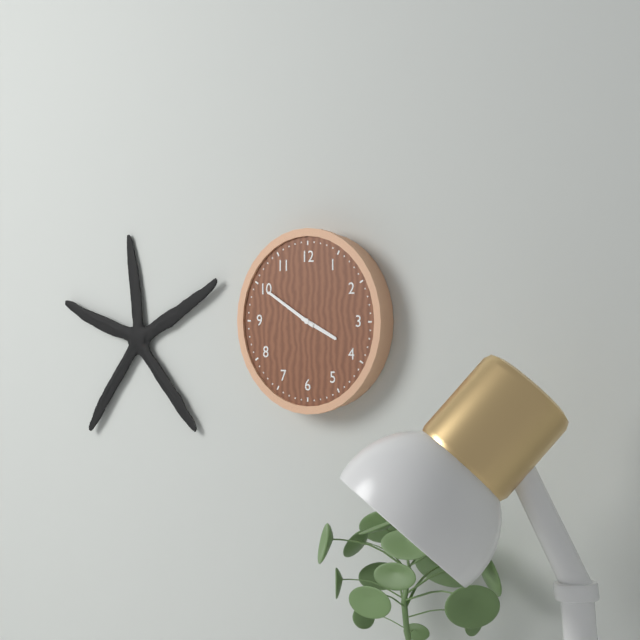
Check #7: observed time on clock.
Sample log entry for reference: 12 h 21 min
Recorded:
3 h 50 min
